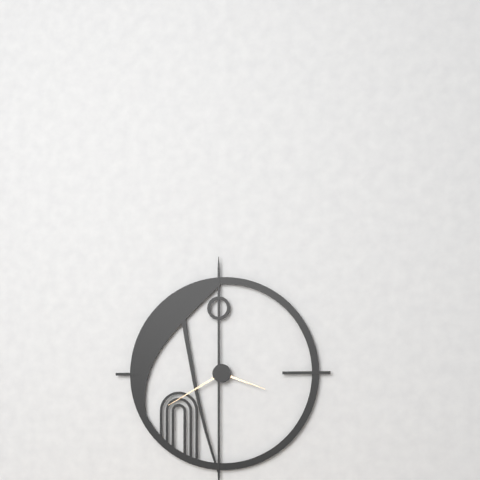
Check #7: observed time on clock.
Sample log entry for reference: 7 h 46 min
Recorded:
3 h 40 min
